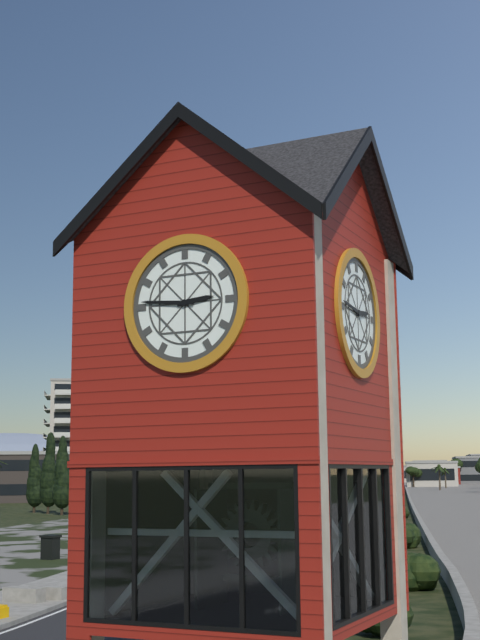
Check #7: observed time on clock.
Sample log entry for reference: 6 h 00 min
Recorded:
2 h 46 min
